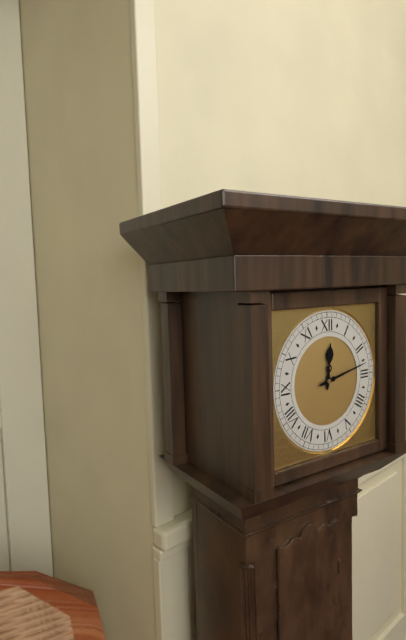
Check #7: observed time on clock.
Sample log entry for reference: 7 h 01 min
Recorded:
12 h 13 min
